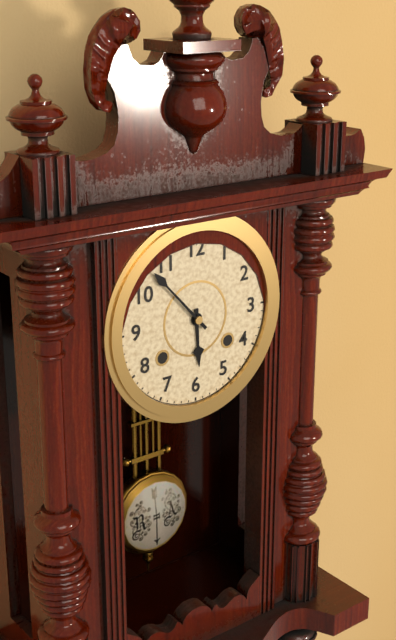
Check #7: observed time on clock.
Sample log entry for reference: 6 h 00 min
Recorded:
5 h 53 min
